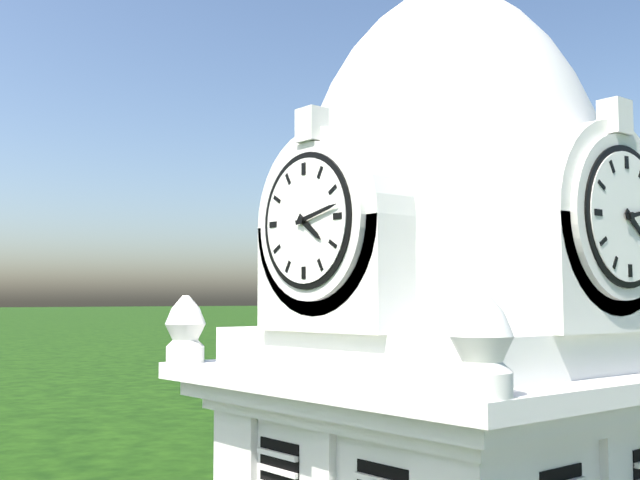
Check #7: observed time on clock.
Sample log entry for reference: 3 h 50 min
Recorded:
4 h 13 min
